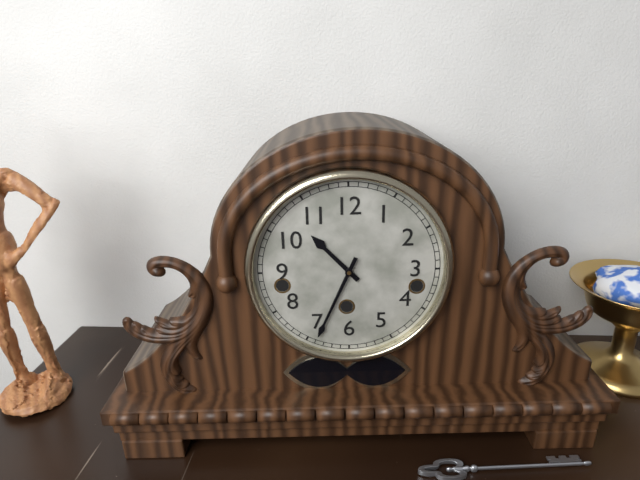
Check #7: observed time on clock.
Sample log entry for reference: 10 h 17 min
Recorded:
10 h 34 min
